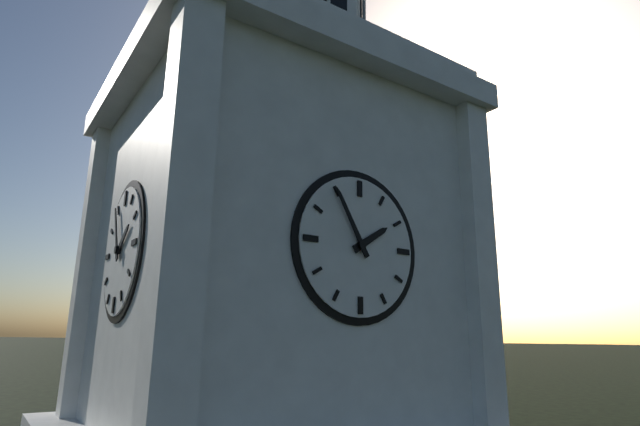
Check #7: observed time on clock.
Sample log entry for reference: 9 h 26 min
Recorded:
1 h 55 min
